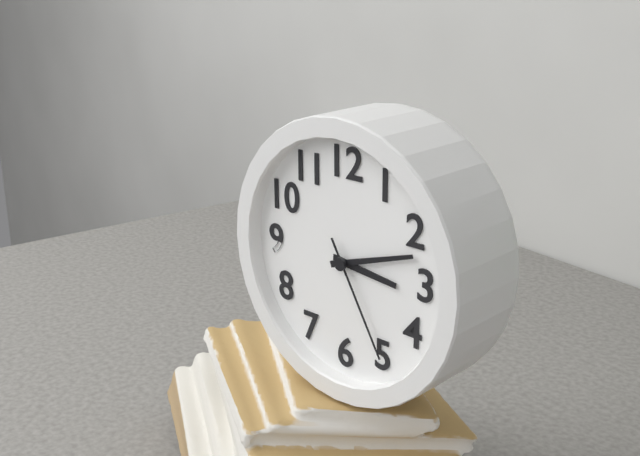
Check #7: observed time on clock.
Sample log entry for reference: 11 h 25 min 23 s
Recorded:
3 h 12 min 25 s
